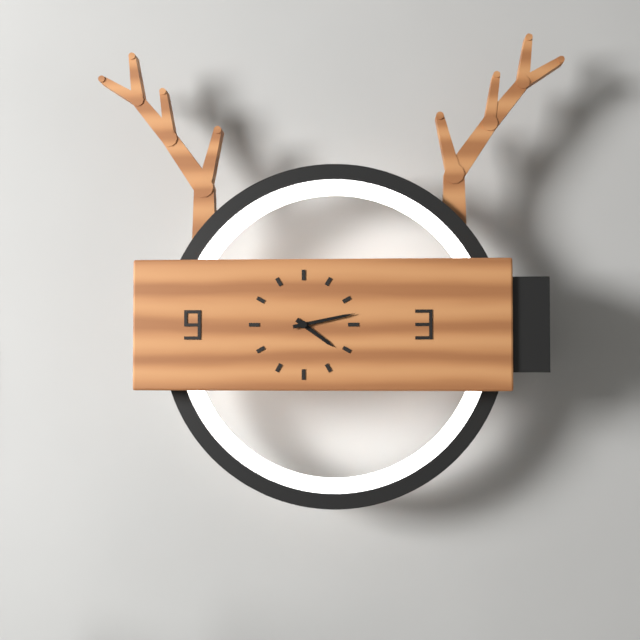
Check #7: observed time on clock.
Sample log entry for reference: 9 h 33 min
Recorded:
4 h 13 min
